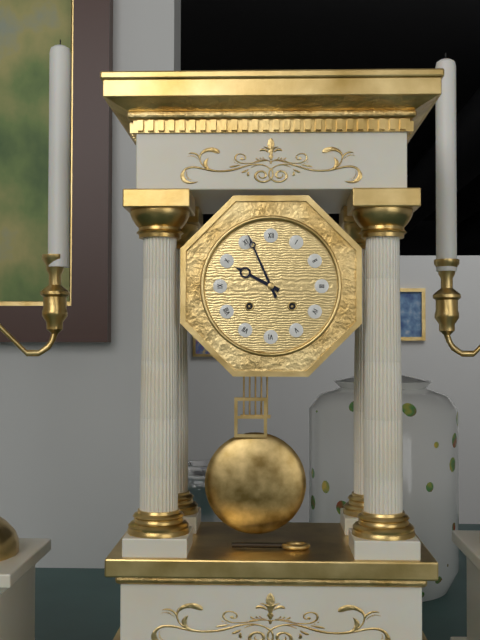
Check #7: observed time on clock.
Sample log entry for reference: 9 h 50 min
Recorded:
9 h 56 min
